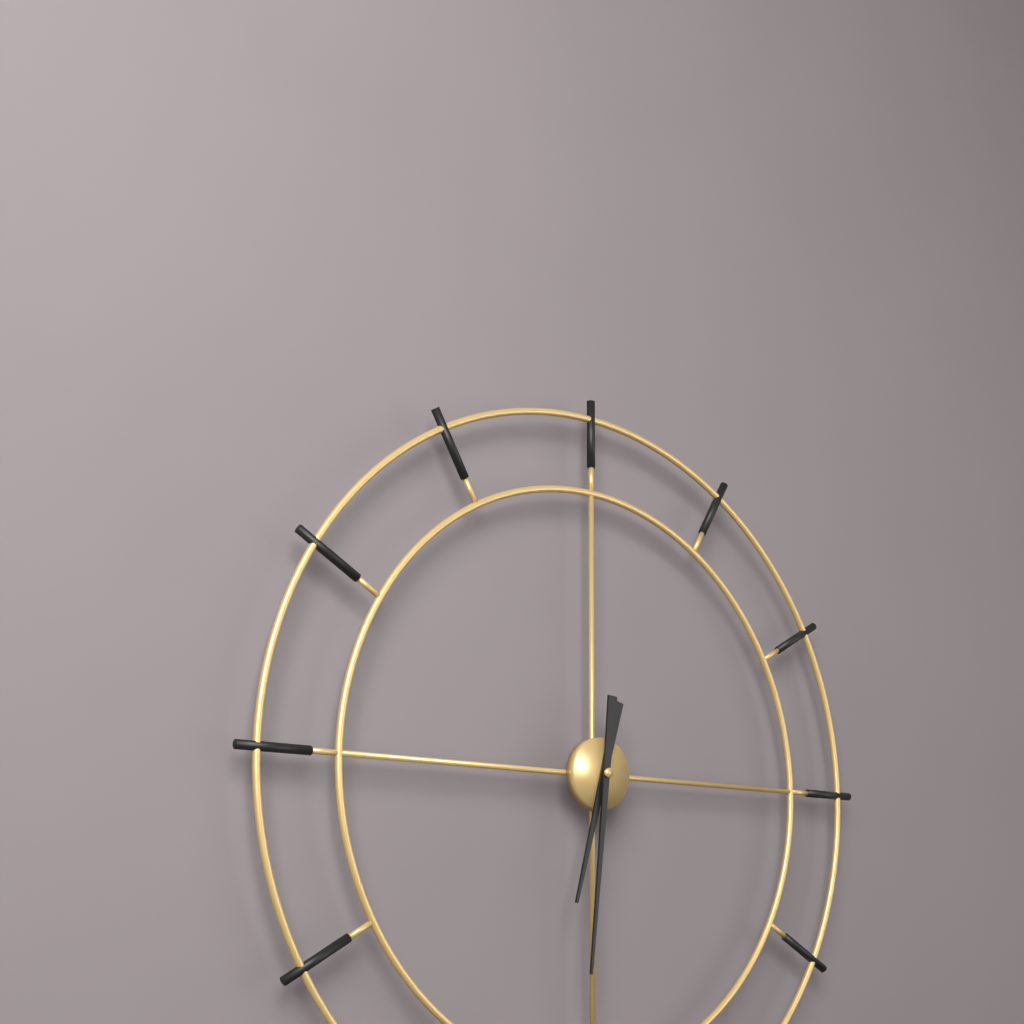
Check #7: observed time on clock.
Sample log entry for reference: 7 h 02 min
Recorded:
6 h 31 min
